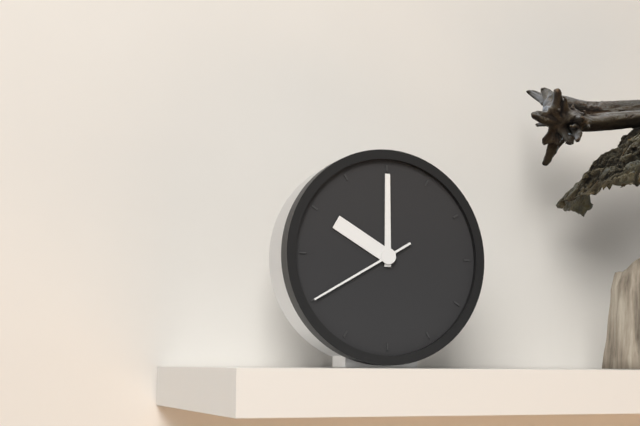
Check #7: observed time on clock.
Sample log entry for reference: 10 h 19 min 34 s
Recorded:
10 h 00 min 40 s
